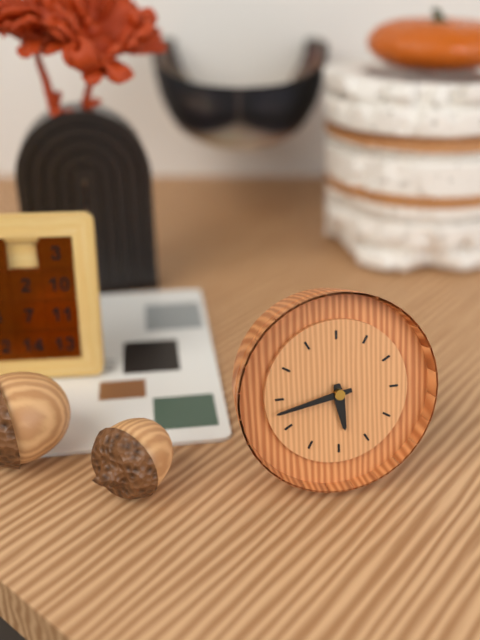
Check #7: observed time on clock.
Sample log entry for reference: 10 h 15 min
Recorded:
5 h 43 min
